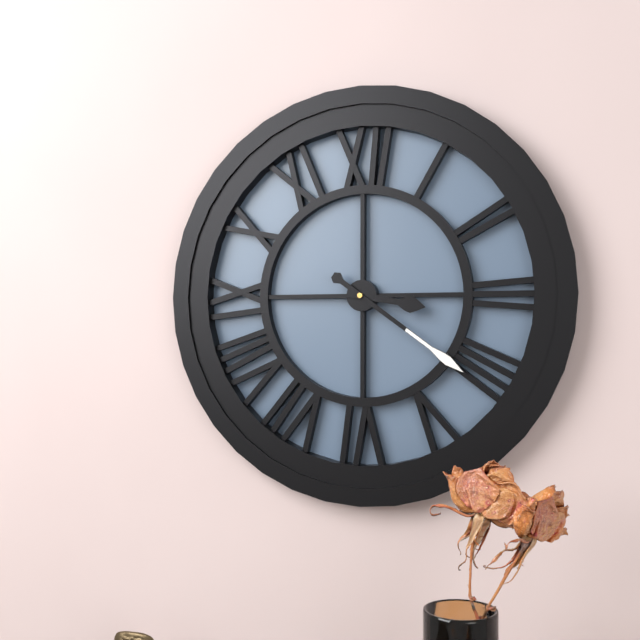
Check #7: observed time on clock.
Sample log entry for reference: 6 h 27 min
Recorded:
3 h 21 min
